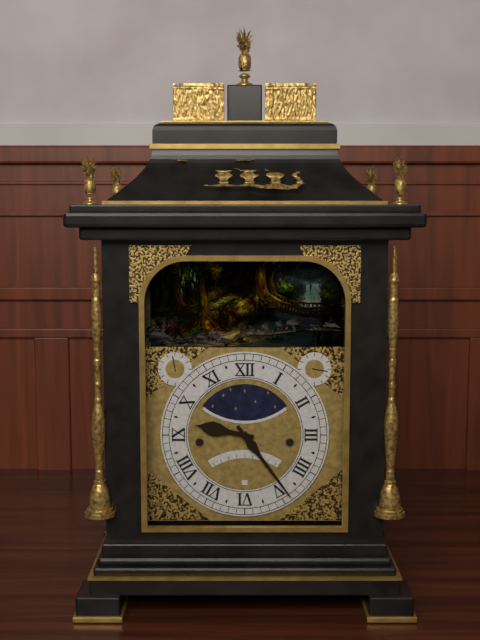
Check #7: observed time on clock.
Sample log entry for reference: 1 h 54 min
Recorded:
9 h 24 min
